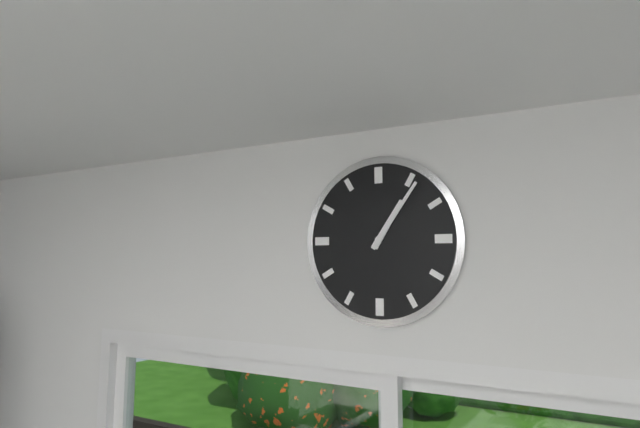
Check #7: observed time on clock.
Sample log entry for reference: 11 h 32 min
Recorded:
1 h 06 min
